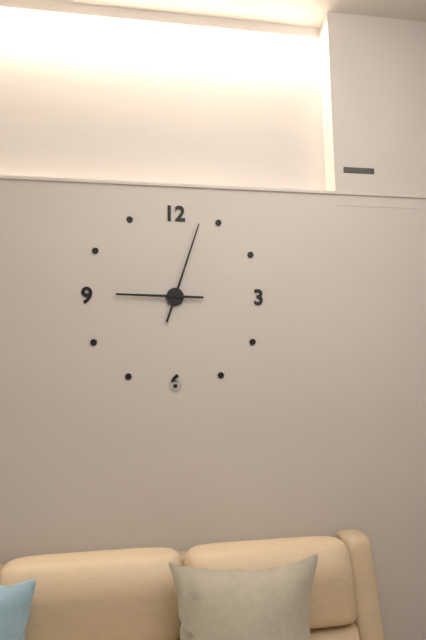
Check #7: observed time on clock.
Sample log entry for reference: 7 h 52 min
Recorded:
9 h 03 min
